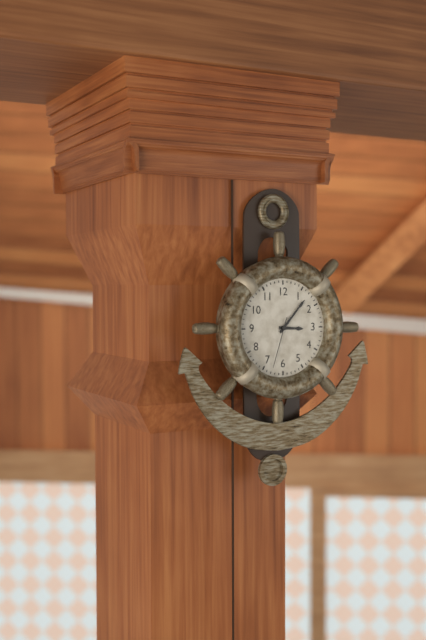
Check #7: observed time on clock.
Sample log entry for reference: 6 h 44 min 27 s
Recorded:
3 h 07 min 33 s
